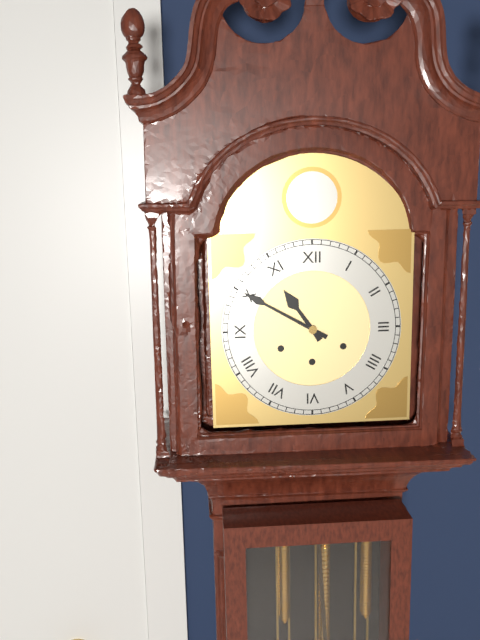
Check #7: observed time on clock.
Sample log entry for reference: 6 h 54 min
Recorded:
10 h 50 min
